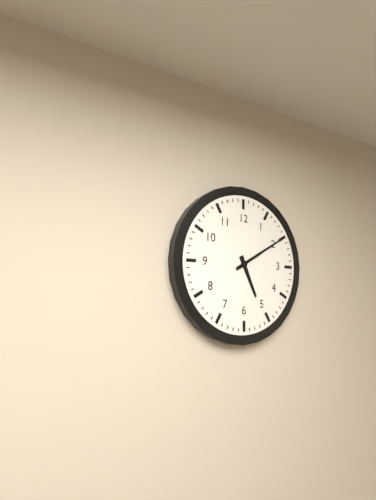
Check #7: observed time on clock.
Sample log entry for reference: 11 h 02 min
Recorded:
5 h 10 min
